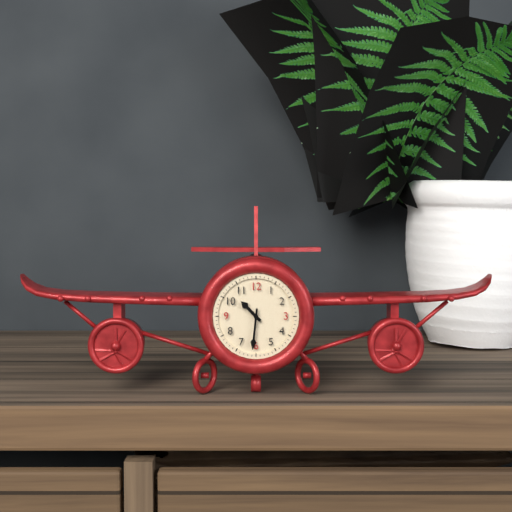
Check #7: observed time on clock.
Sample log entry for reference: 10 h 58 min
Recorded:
10 h 31 min
